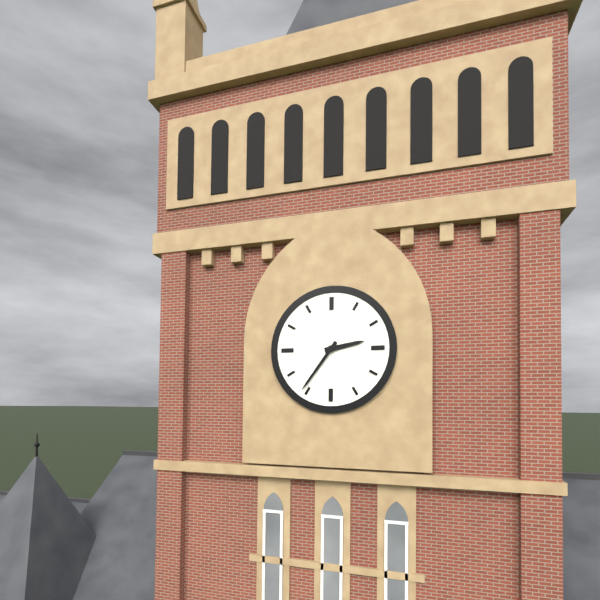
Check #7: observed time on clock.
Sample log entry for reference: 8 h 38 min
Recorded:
2 h 36 min
